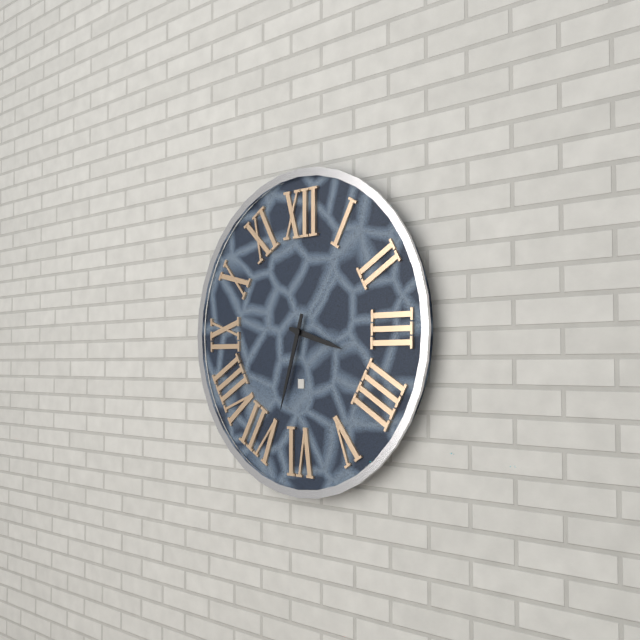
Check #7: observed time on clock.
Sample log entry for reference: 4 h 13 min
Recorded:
3 h 33 min
